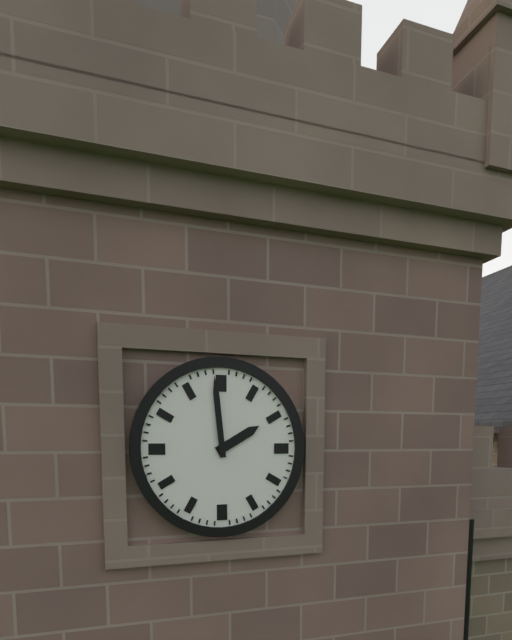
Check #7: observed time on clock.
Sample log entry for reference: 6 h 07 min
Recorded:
1 h 59 min
